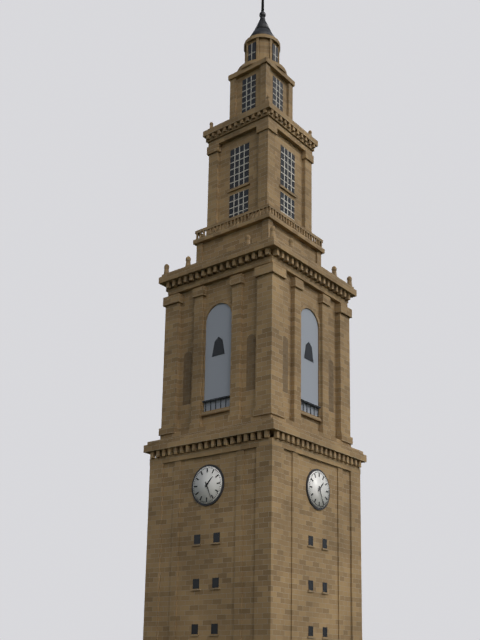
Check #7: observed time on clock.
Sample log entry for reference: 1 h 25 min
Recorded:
1 h 26 min
